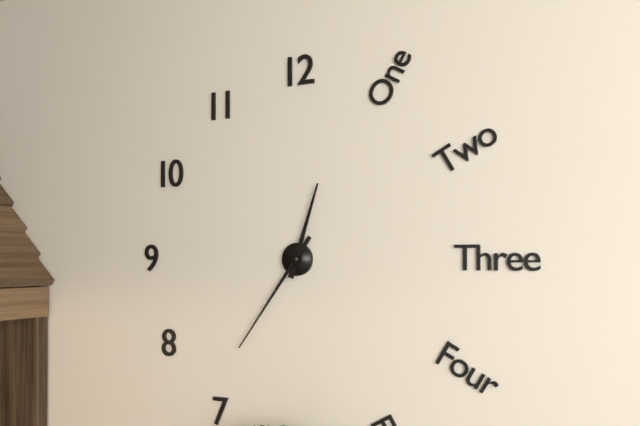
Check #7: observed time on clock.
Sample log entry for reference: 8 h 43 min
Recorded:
12 h 36 min
